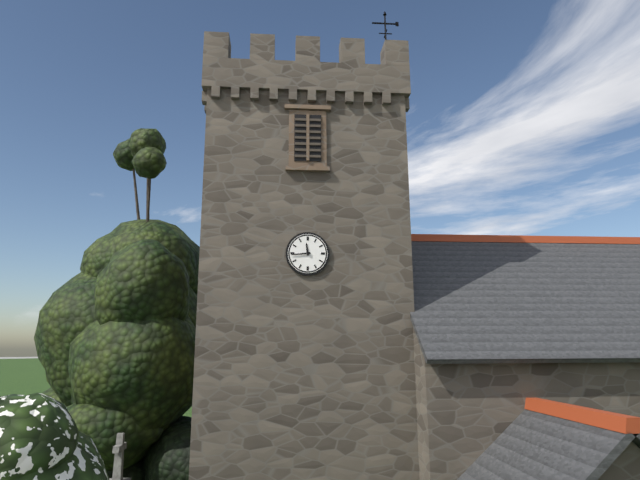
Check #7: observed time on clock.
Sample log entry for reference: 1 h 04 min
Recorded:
11 h 44 min
